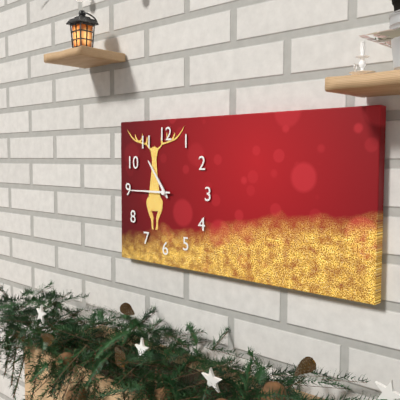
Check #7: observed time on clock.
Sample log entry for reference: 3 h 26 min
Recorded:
10 h 45 min
